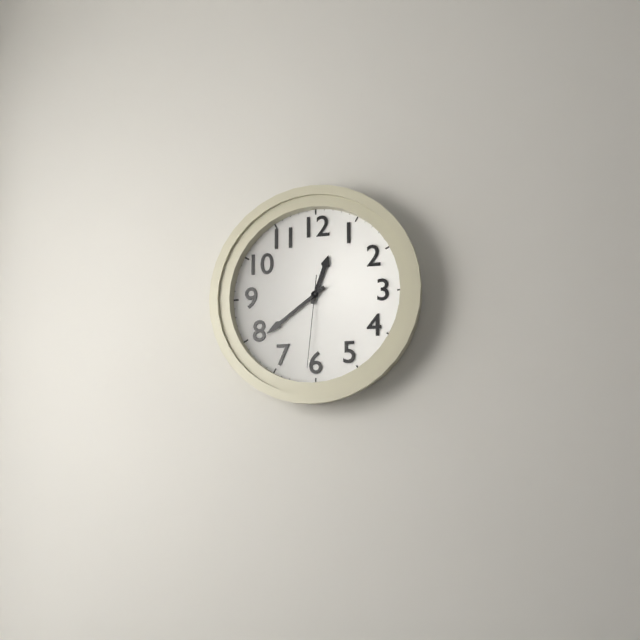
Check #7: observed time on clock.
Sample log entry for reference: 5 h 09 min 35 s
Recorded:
12 h 39 min 31 s
